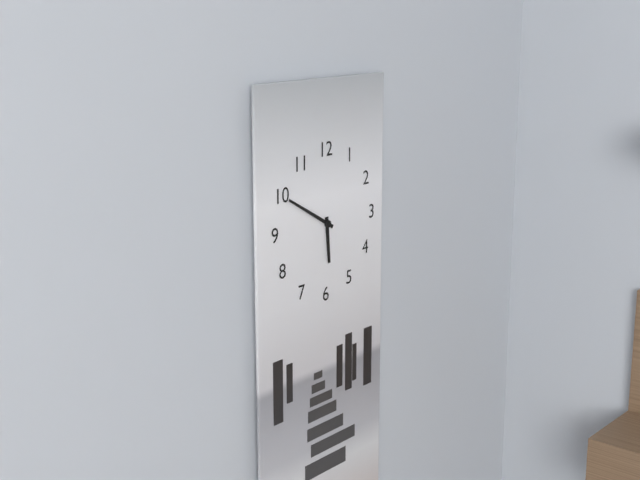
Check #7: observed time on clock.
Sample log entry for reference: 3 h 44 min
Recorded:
5 h 50 min
